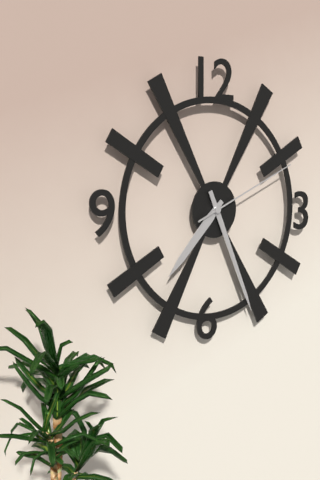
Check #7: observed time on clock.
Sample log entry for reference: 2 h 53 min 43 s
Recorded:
7 h 26 min 11 s
